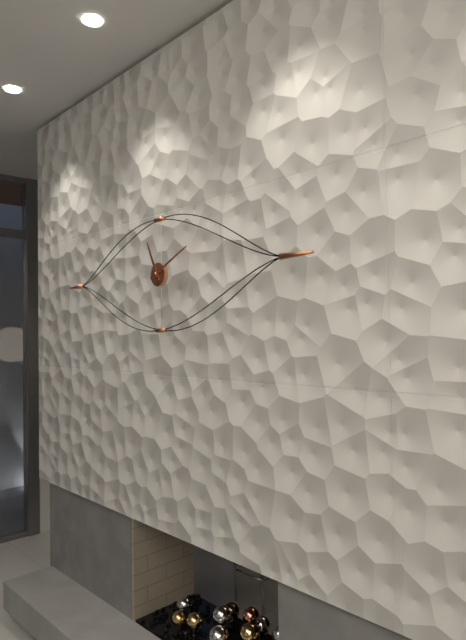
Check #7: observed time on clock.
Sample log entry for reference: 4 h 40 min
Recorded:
11 h 11 min
